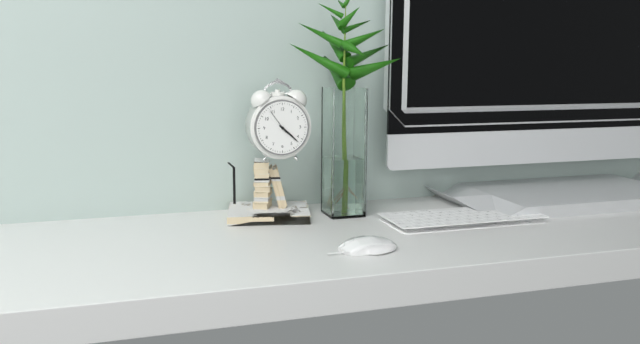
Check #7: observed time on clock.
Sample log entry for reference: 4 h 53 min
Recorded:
4 h 22 min
